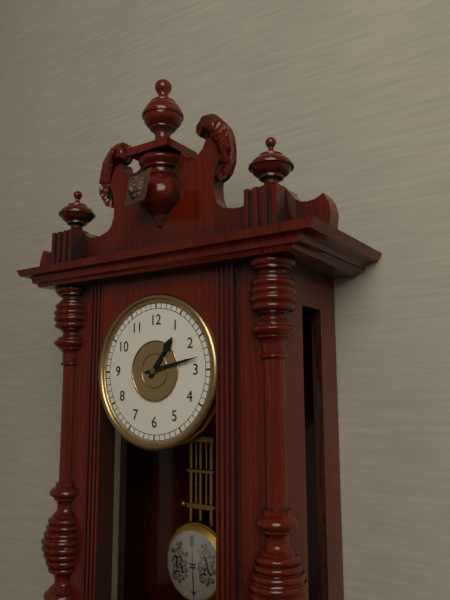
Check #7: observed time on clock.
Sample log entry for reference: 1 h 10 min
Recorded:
1 h 13 min
